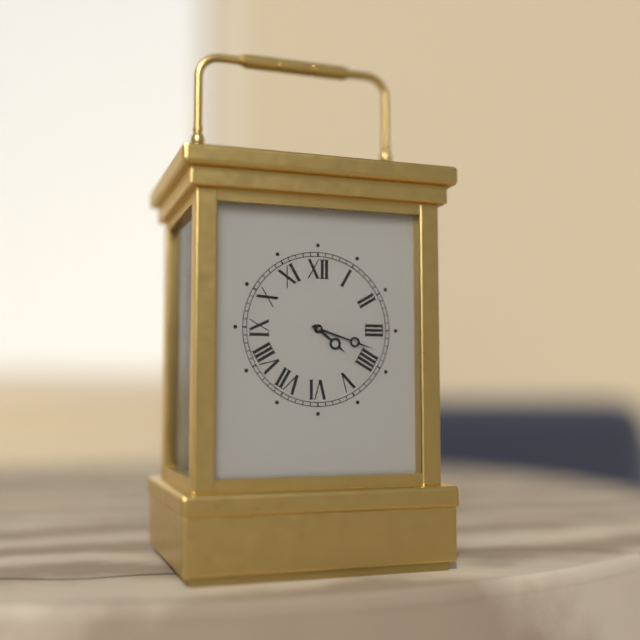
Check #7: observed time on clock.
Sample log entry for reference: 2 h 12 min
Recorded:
4 h 18 min
